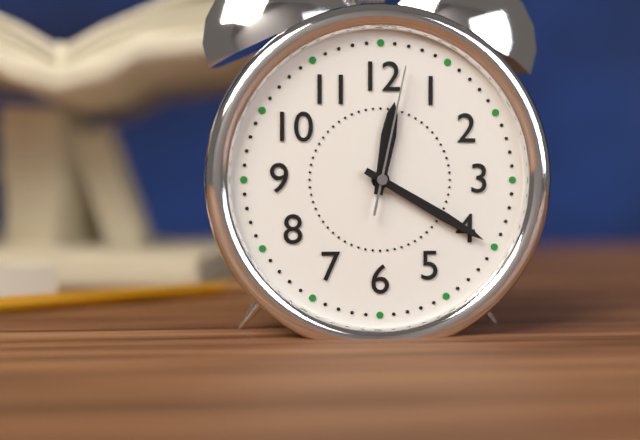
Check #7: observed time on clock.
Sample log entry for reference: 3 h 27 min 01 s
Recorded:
12 h 20 min 02 s
